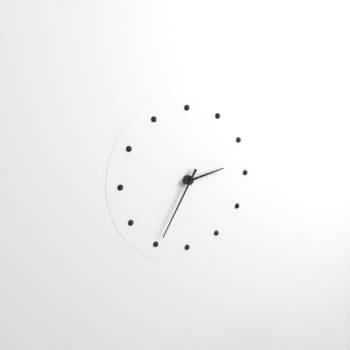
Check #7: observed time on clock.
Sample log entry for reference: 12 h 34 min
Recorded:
2 h 35 min
